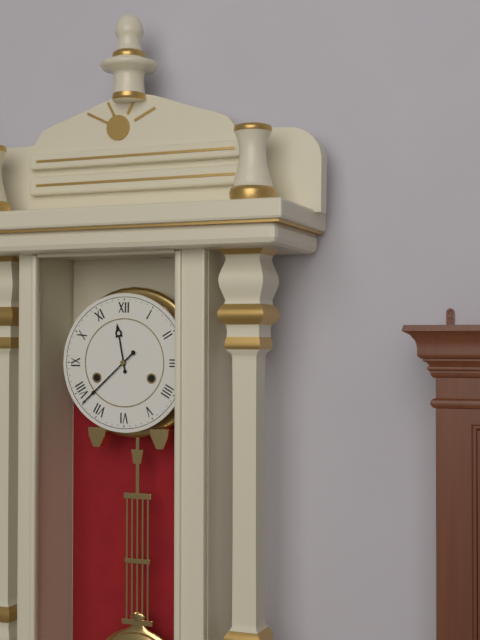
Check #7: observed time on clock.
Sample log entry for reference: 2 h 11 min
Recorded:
11 h 38 min
